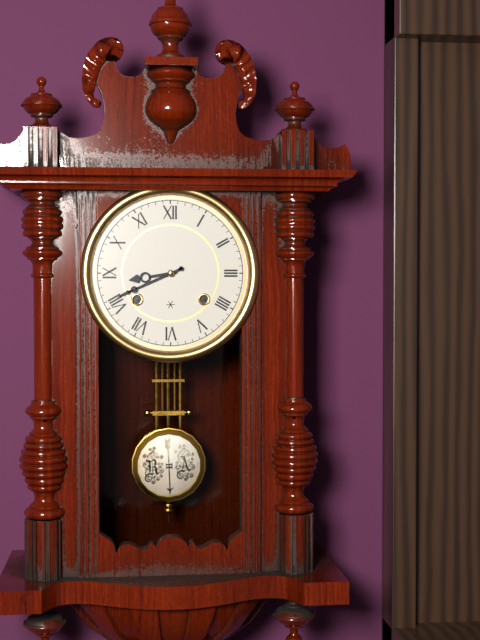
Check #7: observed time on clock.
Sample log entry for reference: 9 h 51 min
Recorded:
8 h 41 min
